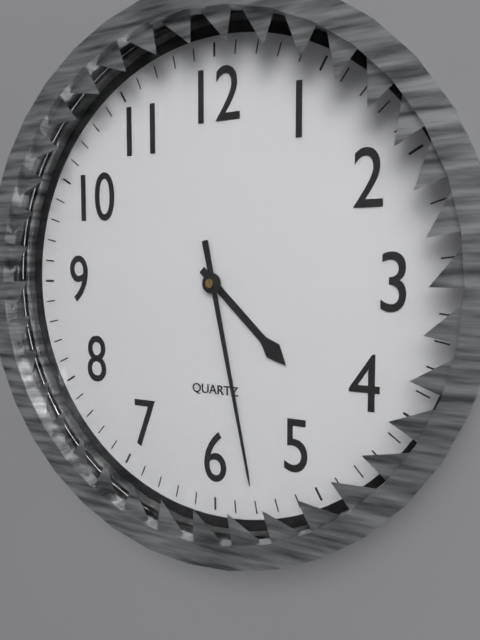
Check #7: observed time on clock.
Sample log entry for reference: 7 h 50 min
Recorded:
4 h 28 min
